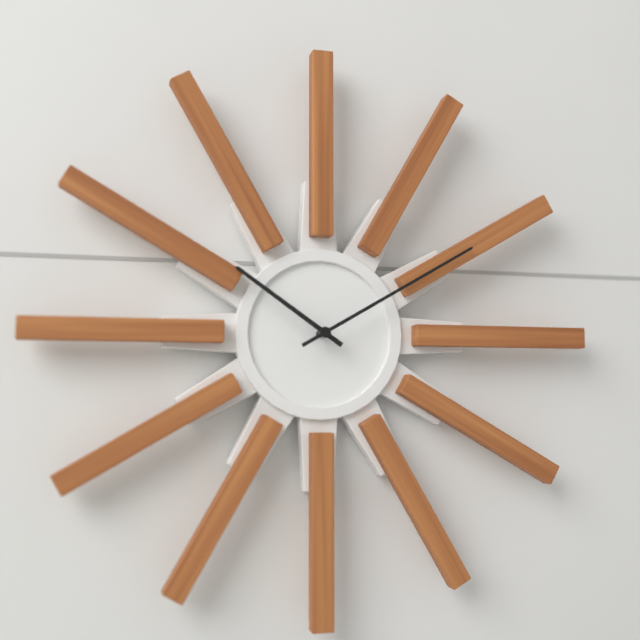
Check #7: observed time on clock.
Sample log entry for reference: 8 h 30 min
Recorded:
10 h 10 min
